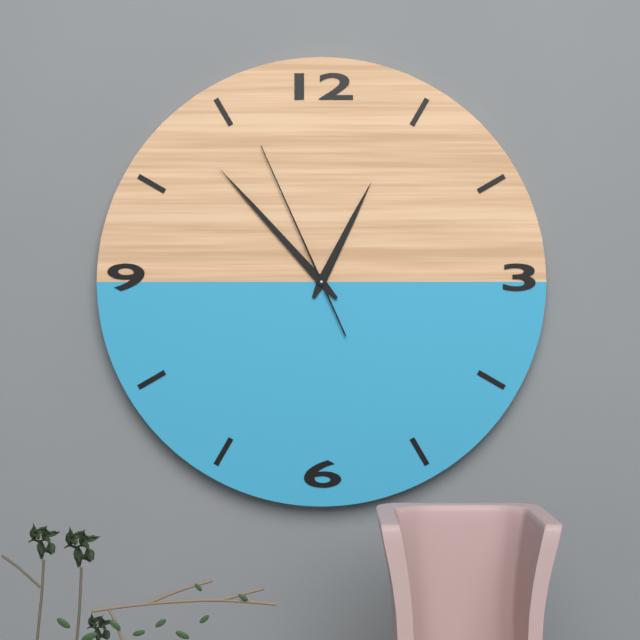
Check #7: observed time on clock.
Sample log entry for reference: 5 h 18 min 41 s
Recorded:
12 h 53 min 56 s
